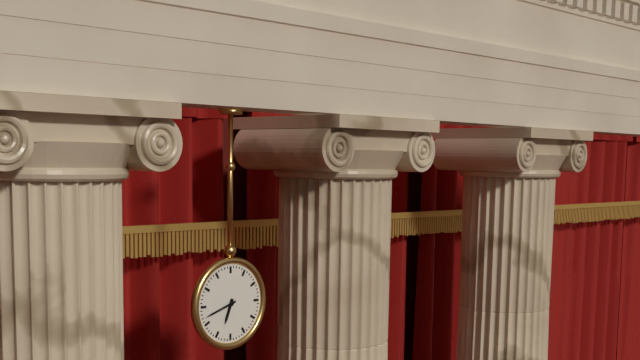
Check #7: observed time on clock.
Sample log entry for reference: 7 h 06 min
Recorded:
6 h 42 min
